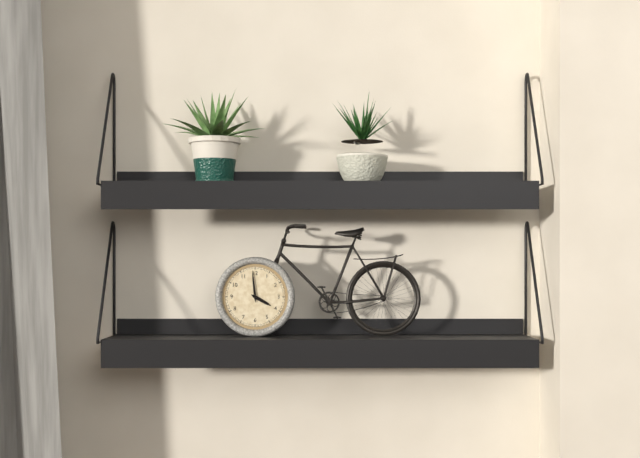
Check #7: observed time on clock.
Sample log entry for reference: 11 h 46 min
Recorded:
3 h 59 min
